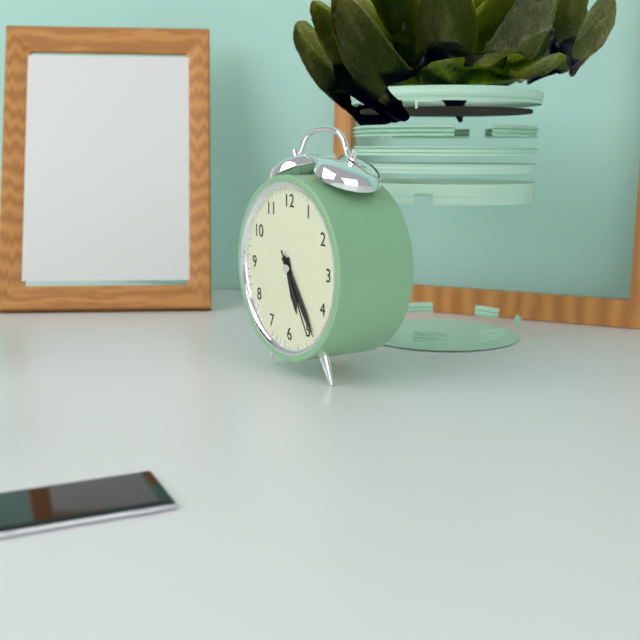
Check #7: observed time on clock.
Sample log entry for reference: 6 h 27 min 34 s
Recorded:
5 h 24 min 25 s
